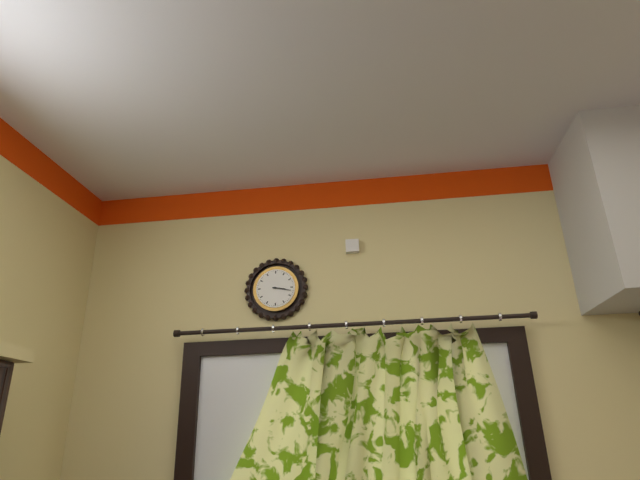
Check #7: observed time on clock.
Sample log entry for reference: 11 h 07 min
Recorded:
3 h 17 min
